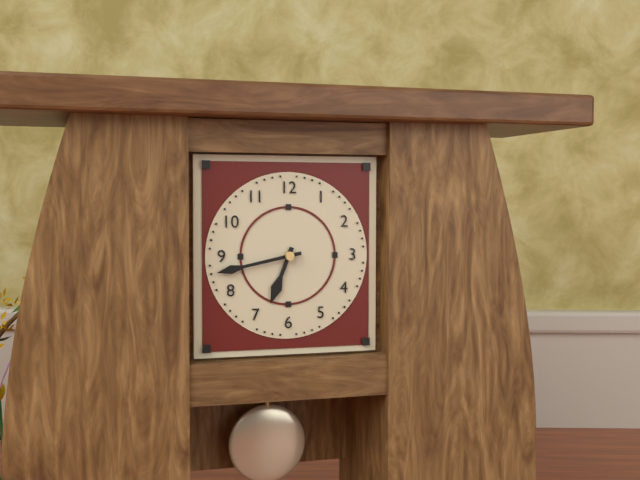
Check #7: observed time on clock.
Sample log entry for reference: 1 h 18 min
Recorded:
6 h 43 min
